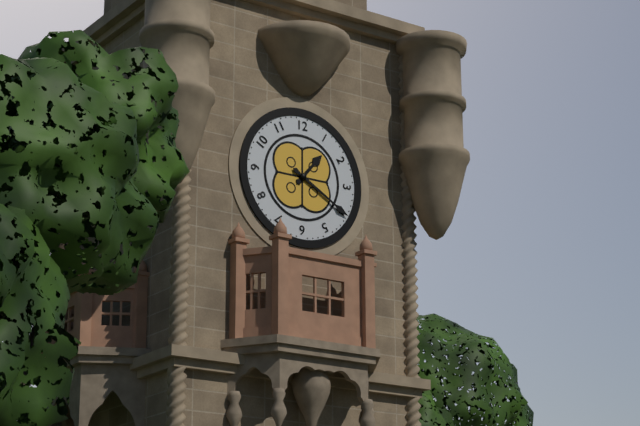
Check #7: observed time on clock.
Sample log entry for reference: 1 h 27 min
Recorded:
1 h 20 min
